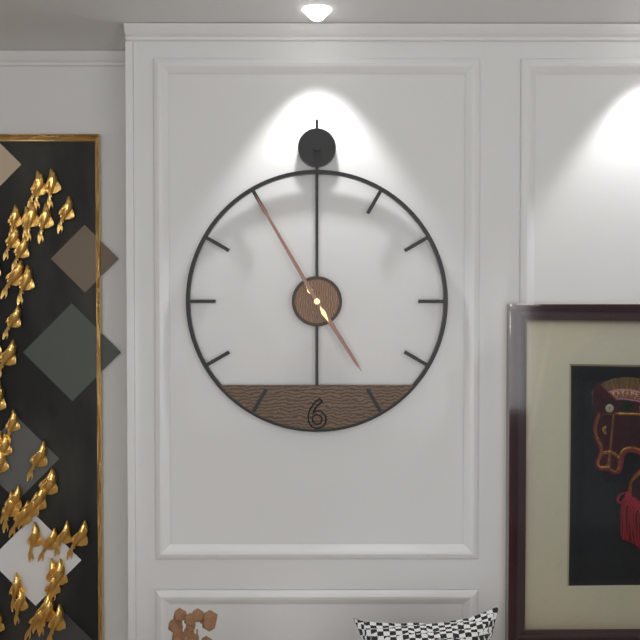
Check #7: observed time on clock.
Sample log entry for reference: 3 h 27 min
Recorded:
4 h 55 min
